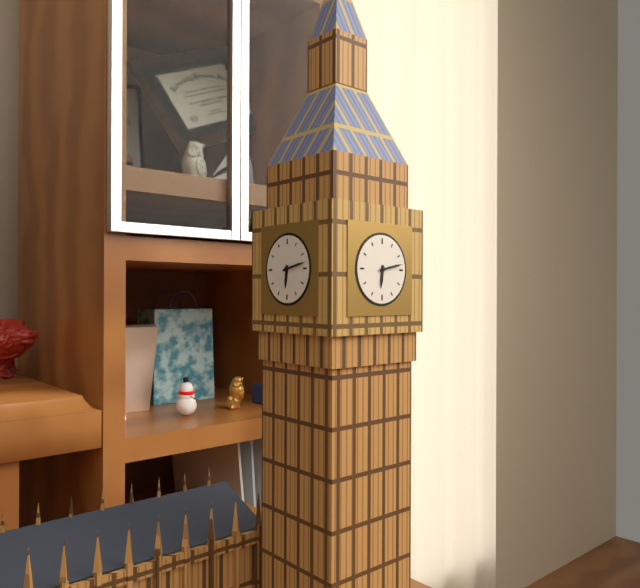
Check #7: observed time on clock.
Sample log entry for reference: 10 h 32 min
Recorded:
6 h 13 min
